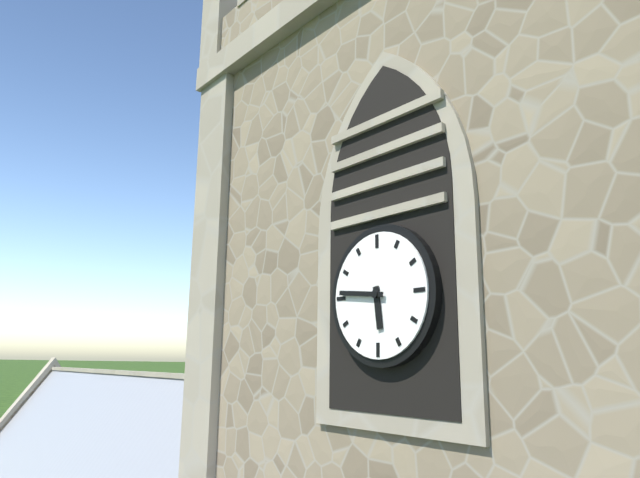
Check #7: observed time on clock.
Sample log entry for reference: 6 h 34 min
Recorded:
5 h 46 min
